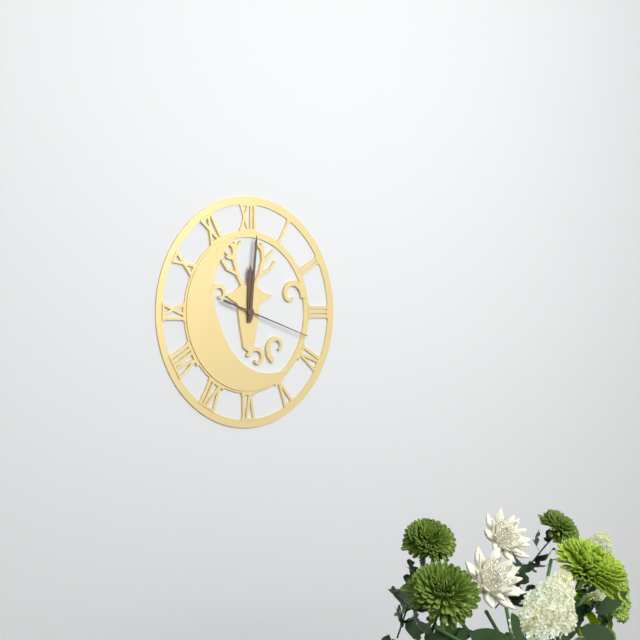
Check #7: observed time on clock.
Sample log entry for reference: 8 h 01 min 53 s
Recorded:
12 h 01 min 18 s
